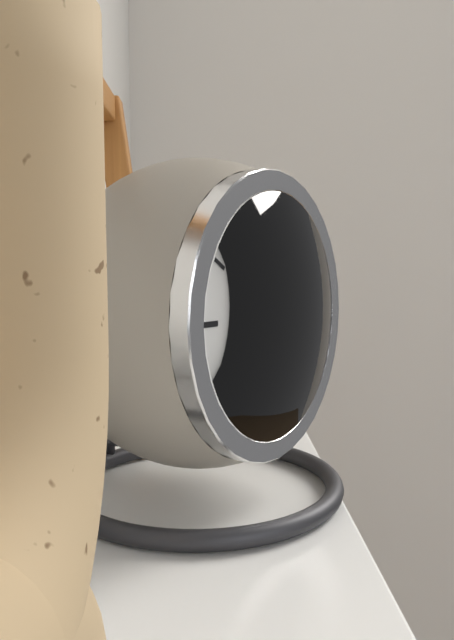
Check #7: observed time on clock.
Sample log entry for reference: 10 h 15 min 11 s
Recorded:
10 h 37 min 26 s
